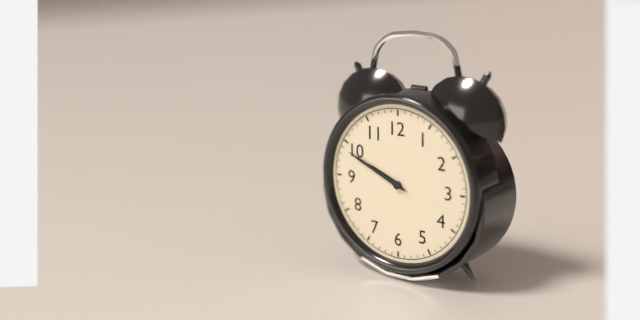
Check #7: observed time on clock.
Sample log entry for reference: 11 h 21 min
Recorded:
9 h 49 min
